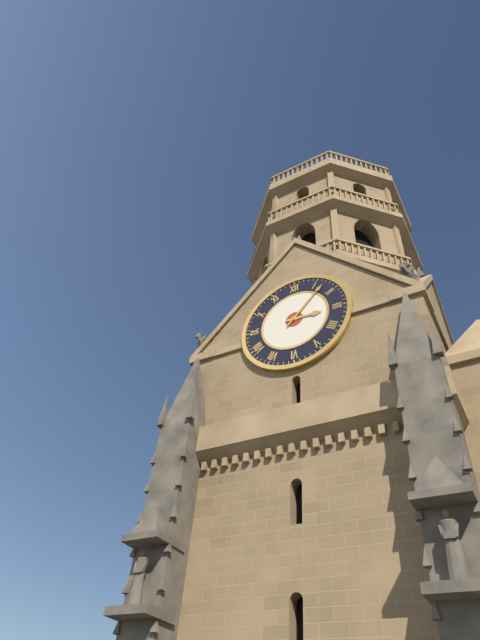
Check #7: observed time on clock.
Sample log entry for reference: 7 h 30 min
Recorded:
3 h 07 min
